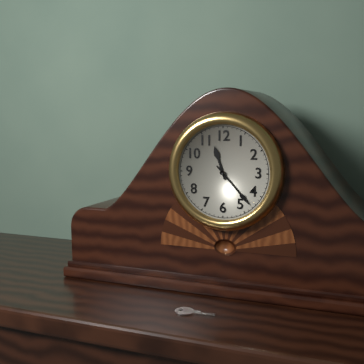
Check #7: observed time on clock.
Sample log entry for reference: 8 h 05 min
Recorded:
11 h 23 min
